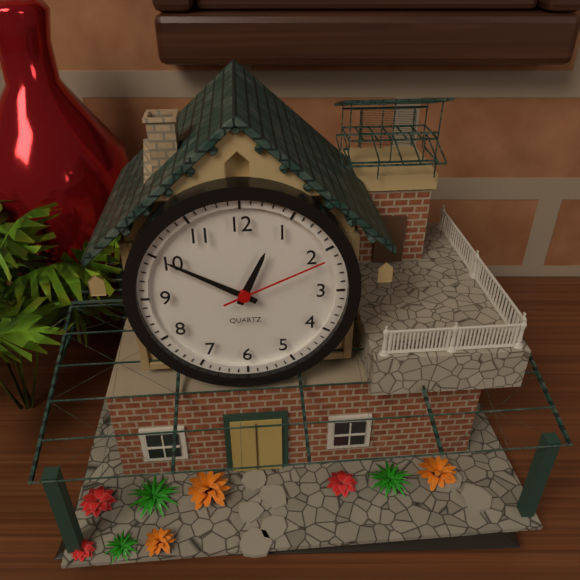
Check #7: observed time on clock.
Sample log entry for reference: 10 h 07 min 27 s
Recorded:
12 h 50 min 11 s
